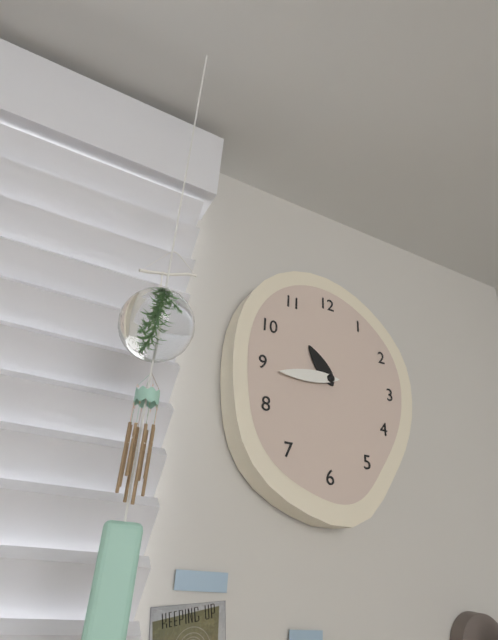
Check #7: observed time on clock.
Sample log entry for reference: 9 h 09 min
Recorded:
10 h 44 min
